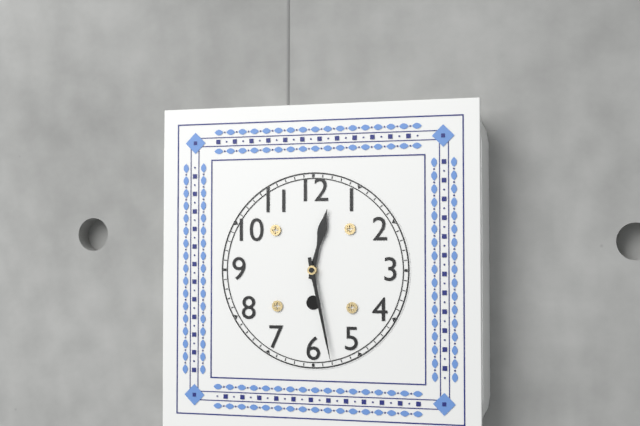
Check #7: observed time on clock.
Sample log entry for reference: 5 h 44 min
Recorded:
12 h 28 min
